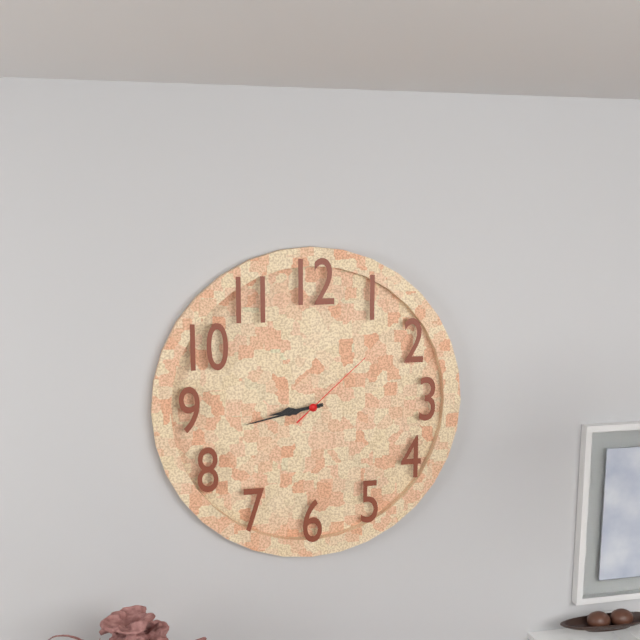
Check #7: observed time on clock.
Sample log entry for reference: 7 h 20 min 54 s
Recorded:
8 h 43 min 08 s
